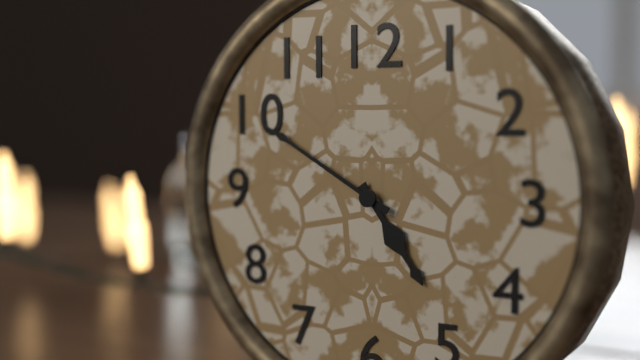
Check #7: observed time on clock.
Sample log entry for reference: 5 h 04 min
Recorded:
4 h 50 min
